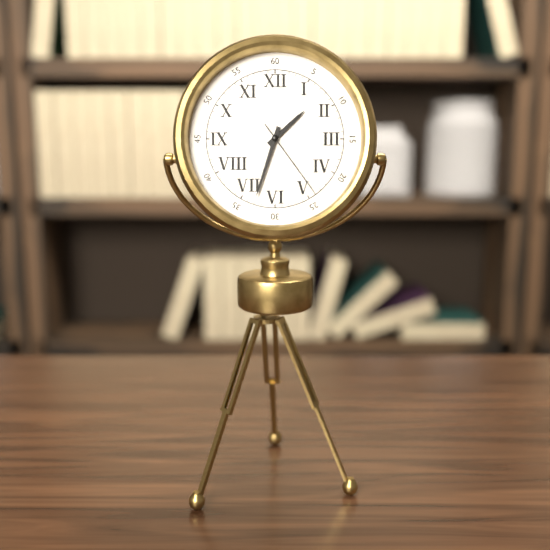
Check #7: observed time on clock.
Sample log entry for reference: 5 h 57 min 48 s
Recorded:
1 h 33 min 24 s
